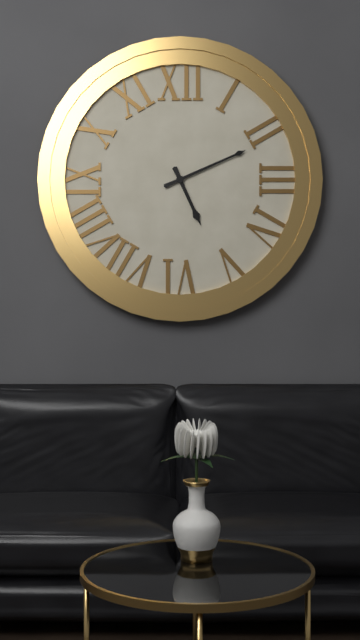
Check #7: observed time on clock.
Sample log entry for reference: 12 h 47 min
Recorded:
5 h 11 min
